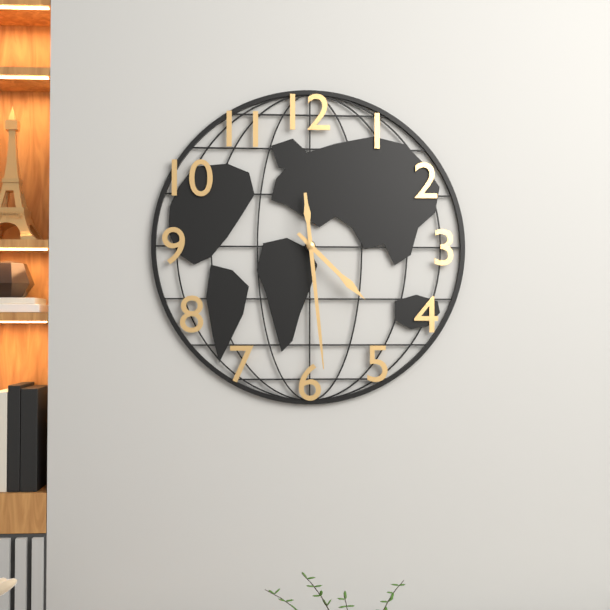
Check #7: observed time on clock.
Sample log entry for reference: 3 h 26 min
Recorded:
4 h 29 min
